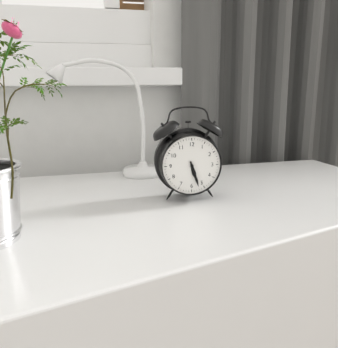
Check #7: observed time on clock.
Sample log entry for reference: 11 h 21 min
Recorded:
5 h 27 min
